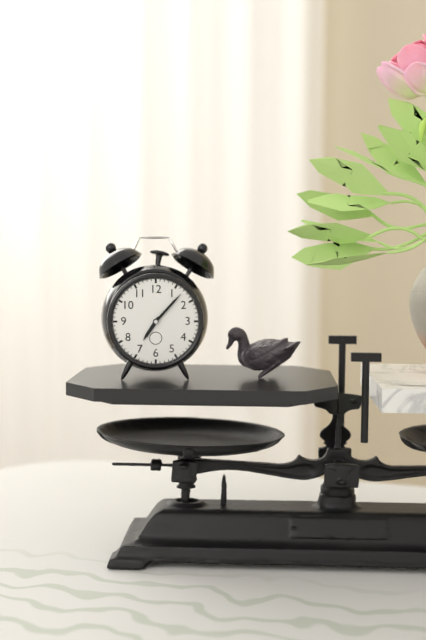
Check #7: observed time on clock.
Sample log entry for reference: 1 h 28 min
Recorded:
7 h 07 min
